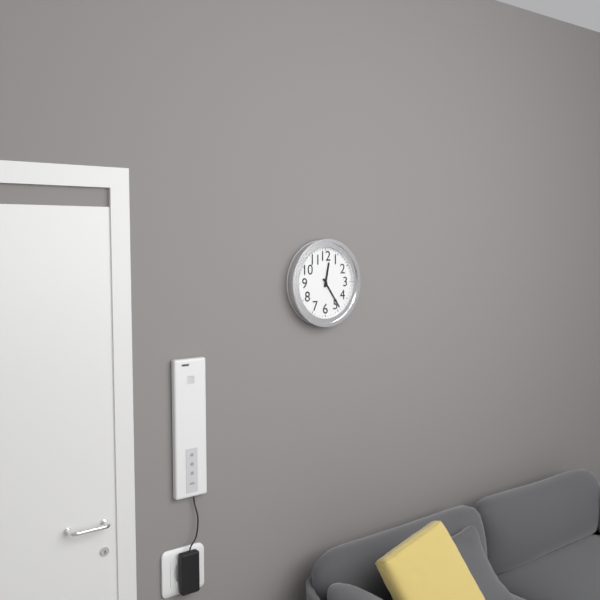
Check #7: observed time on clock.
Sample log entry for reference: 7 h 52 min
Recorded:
12 h 24 min
